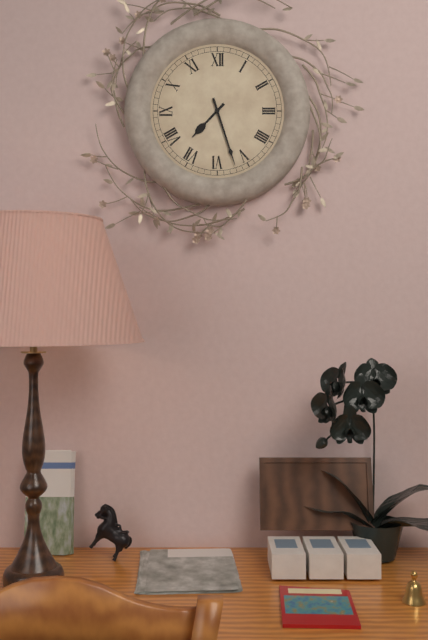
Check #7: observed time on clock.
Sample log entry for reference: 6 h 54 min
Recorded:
7 h 27 min
